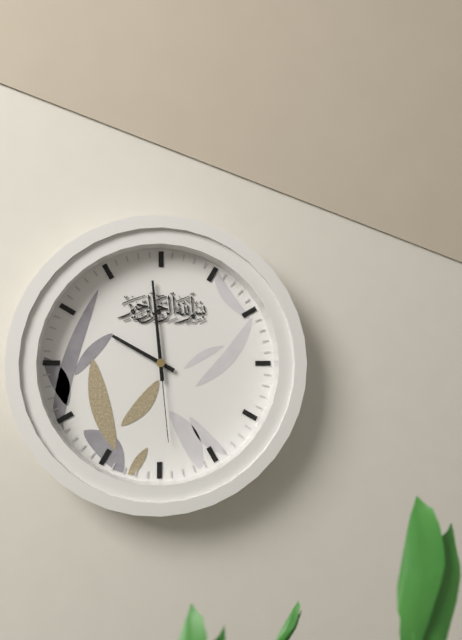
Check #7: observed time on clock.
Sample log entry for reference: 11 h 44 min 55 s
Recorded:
9 h 59 min 29 s
